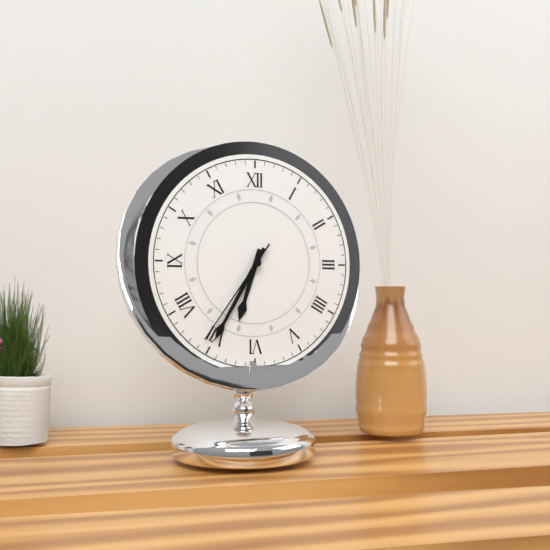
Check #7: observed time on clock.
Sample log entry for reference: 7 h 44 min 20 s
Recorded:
6 h 35 min 36 s
